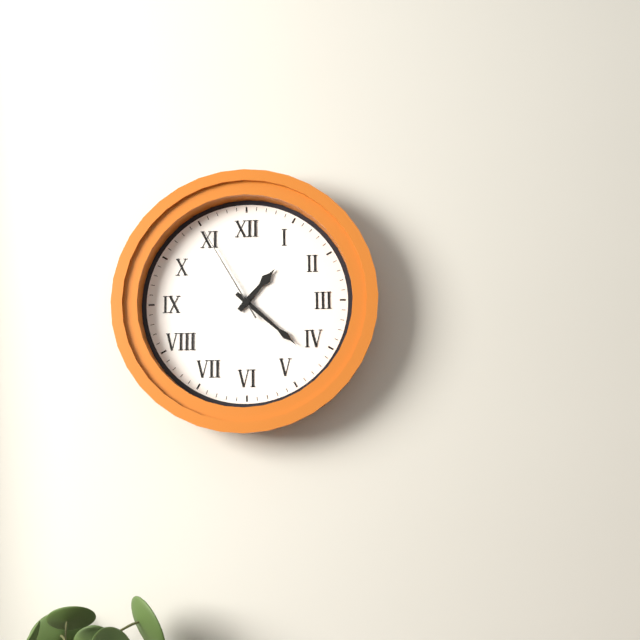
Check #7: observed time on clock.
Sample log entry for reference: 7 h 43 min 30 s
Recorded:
1 h 22 min 55 s
